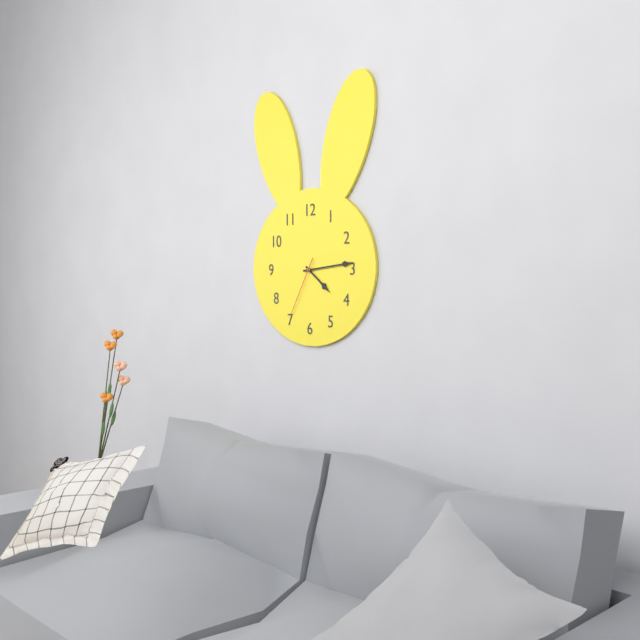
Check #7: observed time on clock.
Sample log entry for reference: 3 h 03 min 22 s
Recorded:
4 h 14 min 35 s
